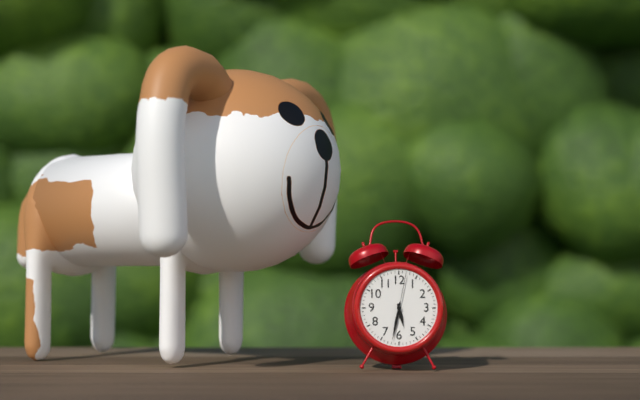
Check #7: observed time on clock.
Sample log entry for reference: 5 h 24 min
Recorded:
5 h 32 min
